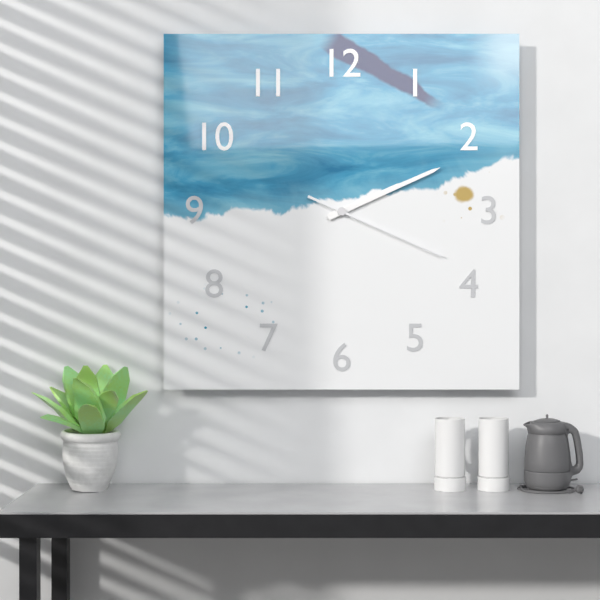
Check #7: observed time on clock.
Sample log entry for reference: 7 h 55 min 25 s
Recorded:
2 h 11 min 19 s
